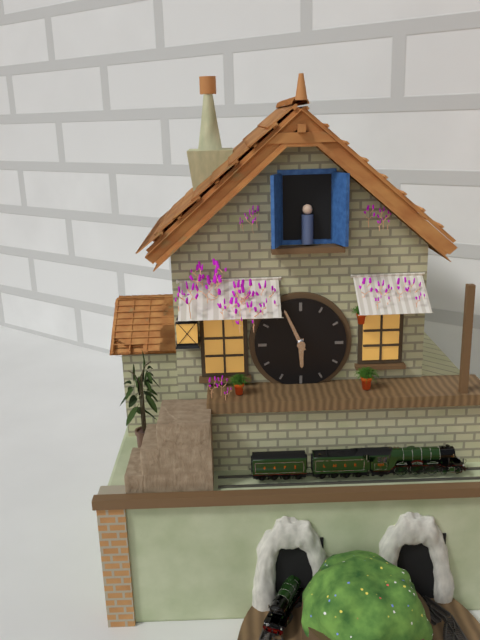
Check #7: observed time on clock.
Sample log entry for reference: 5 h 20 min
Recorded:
5 h 56 min
